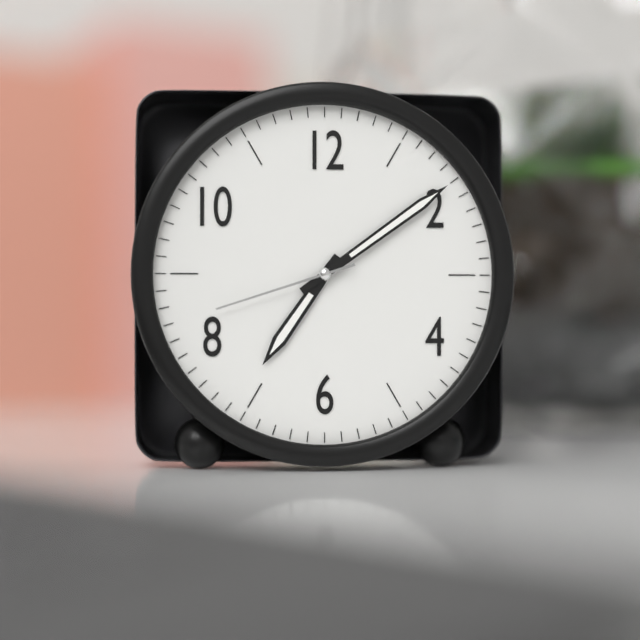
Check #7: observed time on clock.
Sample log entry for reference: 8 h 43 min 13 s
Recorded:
7 h 09 min 42 s
